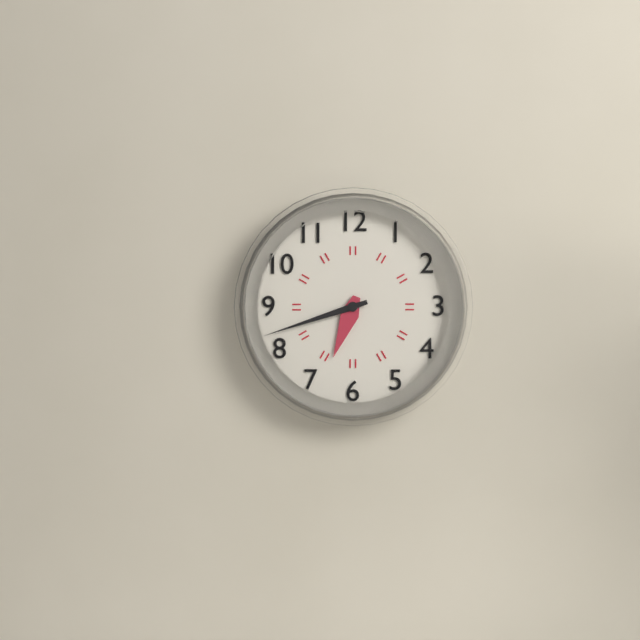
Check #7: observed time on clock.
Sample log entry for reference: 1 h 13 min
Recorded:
6 h 42 min
